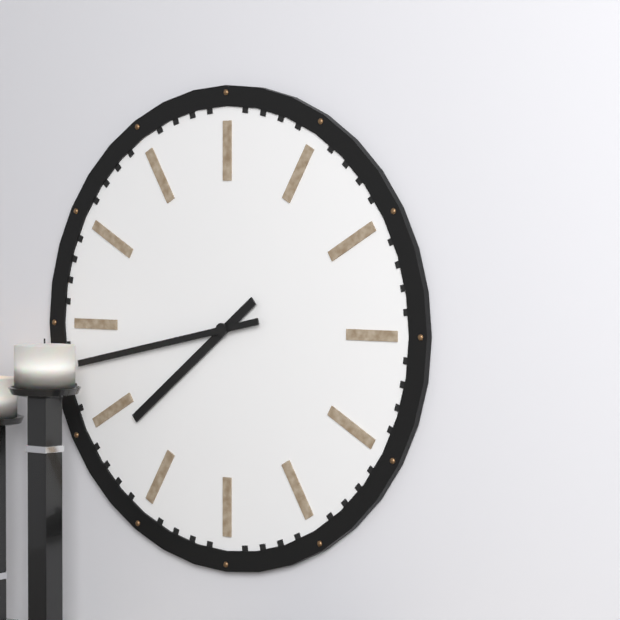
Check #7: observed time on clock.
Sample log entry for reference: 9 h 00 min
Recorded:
7 h 43 min
